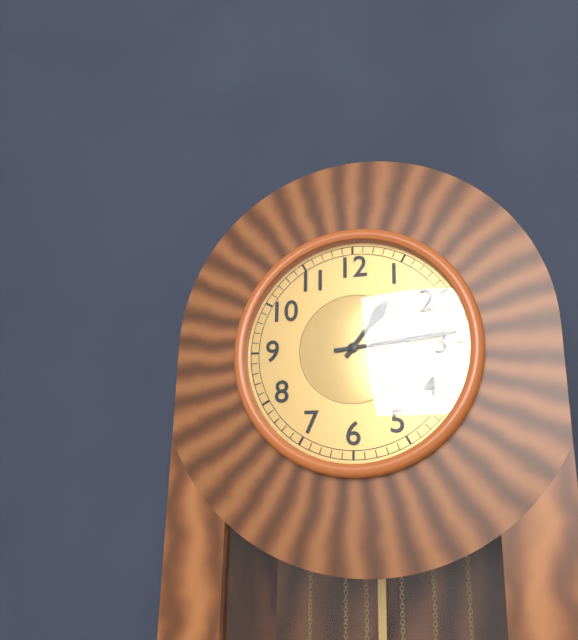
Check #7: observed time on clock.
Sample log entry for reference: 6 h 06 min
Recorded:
1 h 14 min
